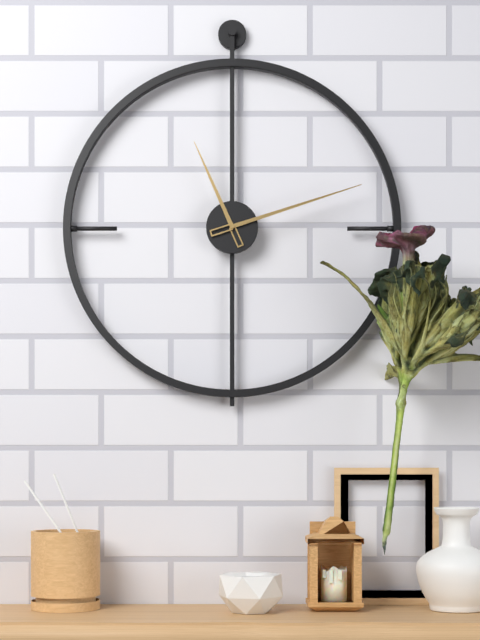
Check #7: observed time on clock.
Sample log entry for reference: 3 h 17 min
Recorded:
11 h 12 min
